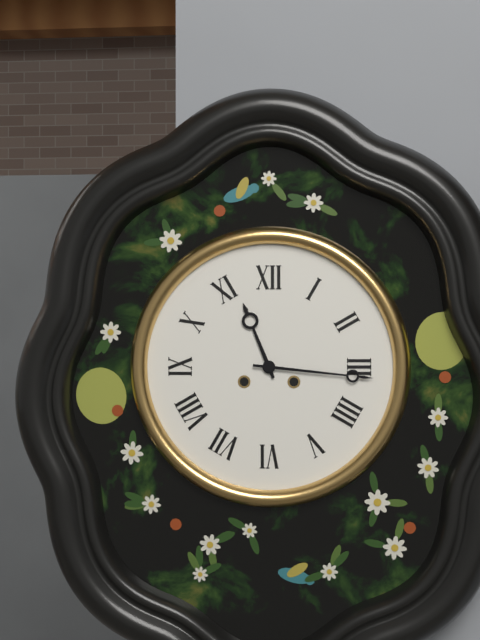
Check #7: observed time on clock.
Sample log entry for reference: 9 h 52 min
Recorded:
11 h 16 min
